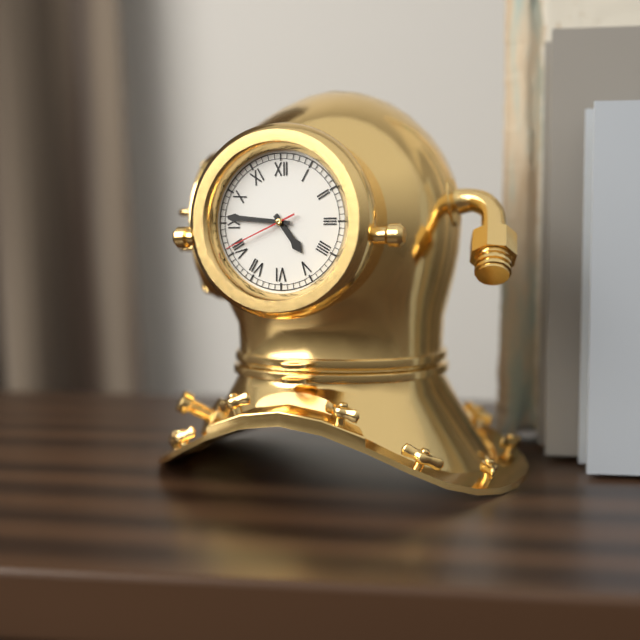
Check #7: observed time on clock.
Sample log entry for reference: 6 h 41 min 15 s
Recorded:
4 h 46 min 41 s
